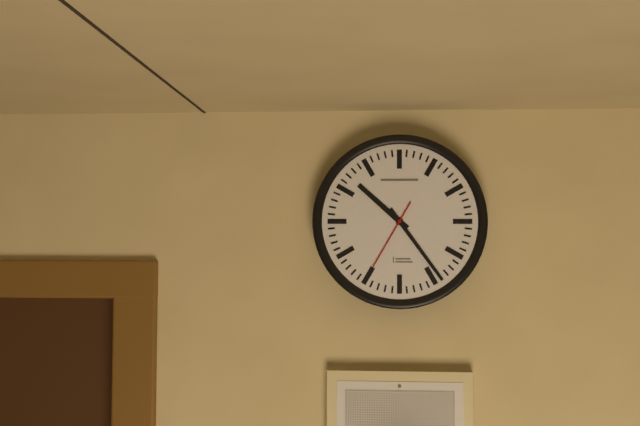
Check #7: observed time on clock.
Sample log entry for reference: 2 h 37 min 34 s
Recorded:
10 h 24 min 35 s
